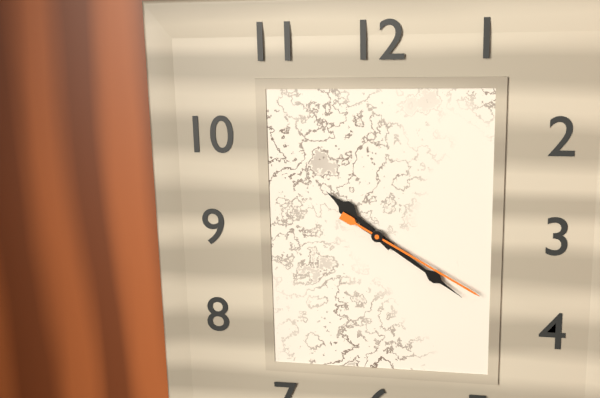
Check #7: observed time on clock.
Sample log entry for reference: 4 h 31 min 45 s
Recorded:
10 h 21 min 20 s
